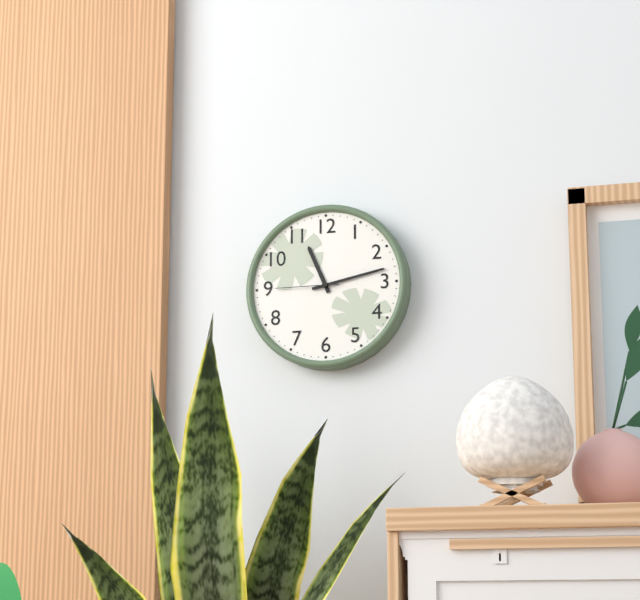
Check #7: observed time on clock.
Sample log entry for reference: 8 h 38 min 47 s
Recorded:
11 h 13 min 45 s
